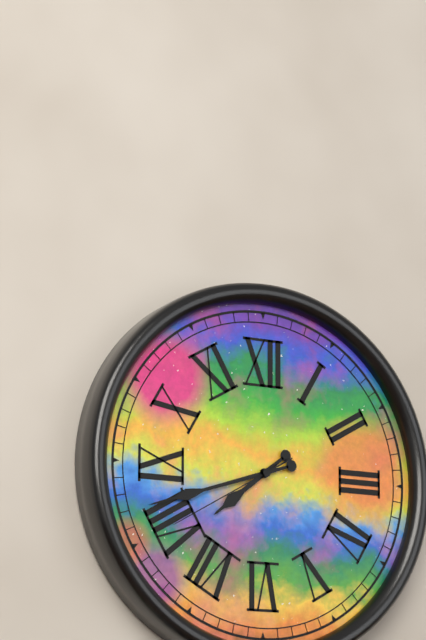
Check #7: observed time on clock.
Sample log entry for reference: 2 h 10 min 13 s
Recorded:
7 h 42 min 40 s
